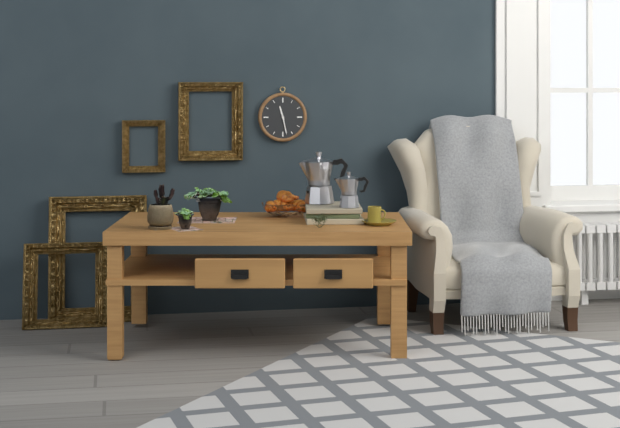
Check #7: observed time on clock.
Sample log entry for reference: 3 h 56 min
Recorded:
11 h 28 min
